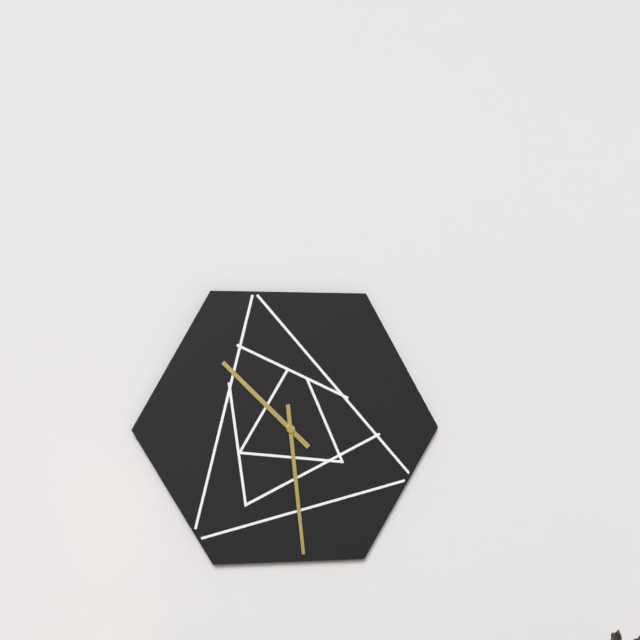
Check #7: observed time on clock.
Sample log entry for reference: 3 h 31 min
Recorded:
10 h 29 min
